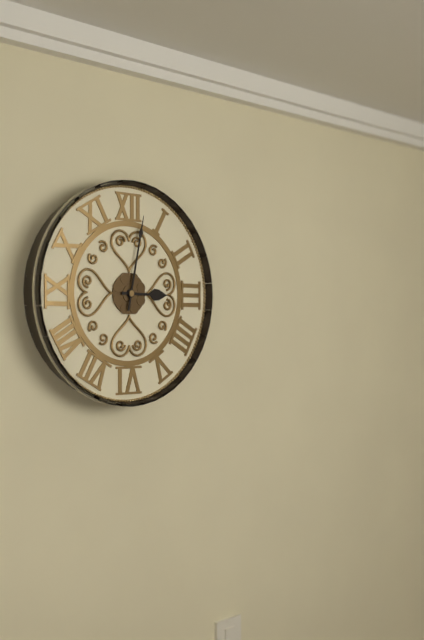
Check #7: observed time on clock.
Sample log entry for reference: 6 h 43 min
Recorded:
3 h 02 min
